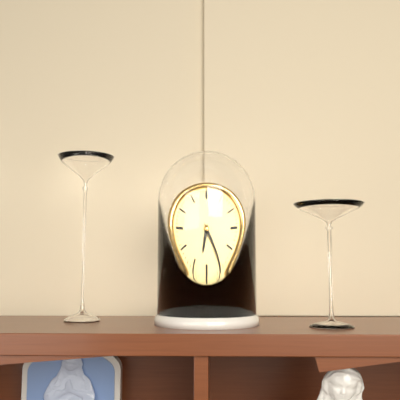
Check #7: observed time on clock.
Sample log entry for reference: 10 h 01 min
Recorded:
6 h 25 min
